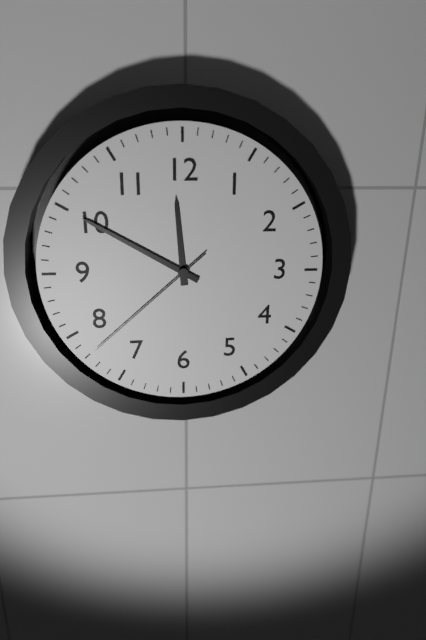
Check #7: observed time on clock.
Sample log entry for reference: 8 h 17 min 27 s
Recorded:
11 h 50 min 38 s
